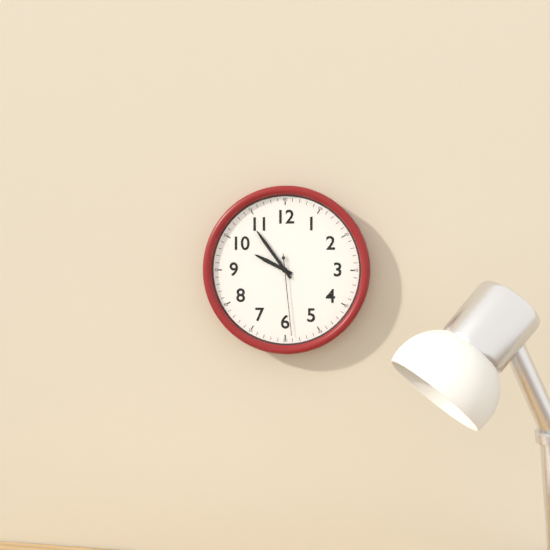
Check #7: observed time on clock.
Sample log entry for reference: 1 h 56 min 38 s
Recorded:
9 h 54 min 29 s
